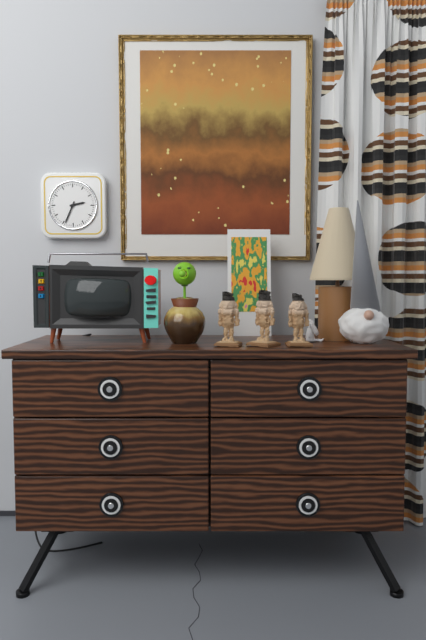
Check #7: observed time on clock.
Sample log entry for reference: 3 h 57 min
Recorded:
2 h 34 min
